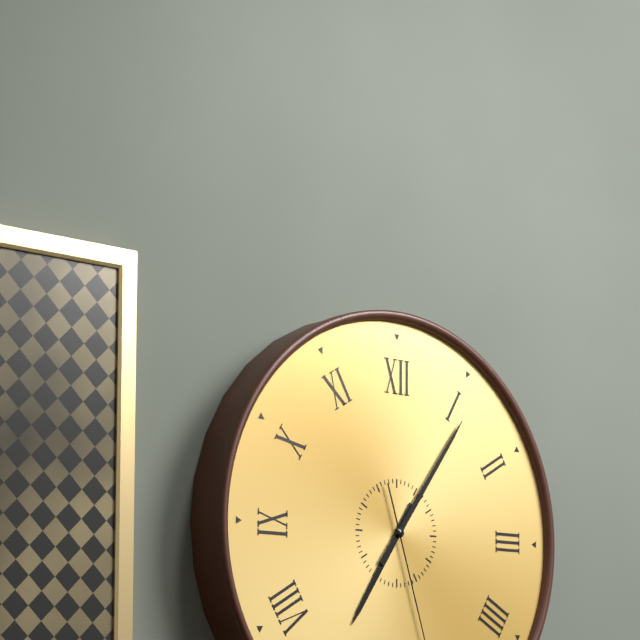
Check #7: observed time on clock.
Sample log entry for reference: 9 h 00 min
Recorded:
7 h 06 min
